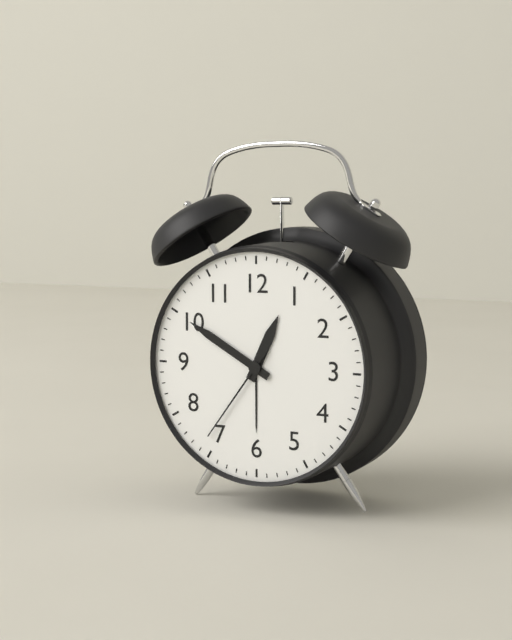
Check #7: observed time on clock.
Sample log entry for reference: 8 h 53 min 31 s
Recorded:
12 h 50 min 36 s
